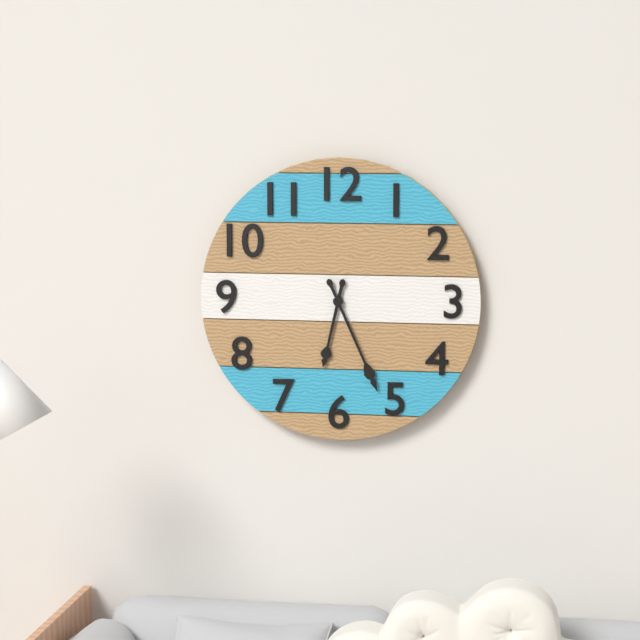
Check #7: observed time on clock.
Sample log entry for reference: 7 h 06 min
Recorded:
6 h 26 min
